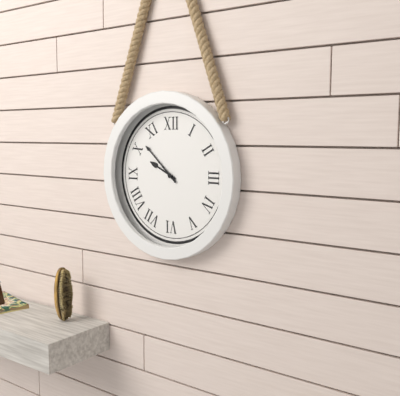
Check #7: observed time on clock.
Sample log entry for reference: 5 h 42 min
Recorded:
9 h 52 min
